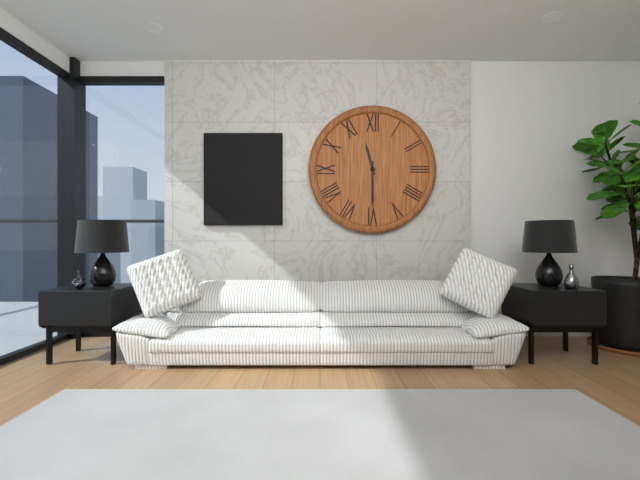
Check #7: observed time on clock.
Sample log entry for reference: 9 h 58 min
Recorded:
11 h 30 min
